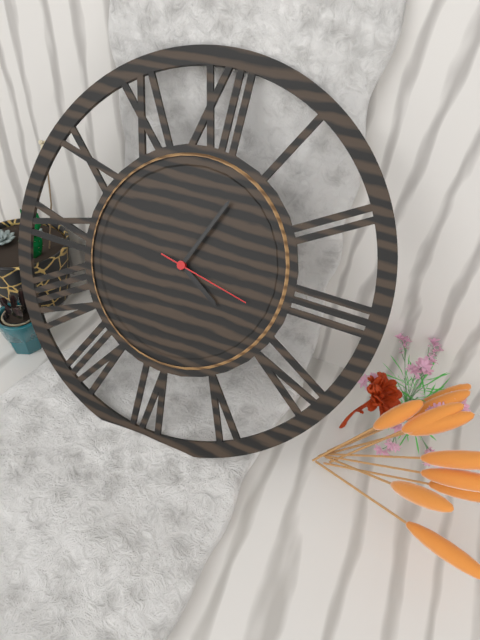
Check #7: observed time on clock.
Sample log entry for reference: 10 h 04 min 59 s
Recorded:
4 h 04 min 17 s
